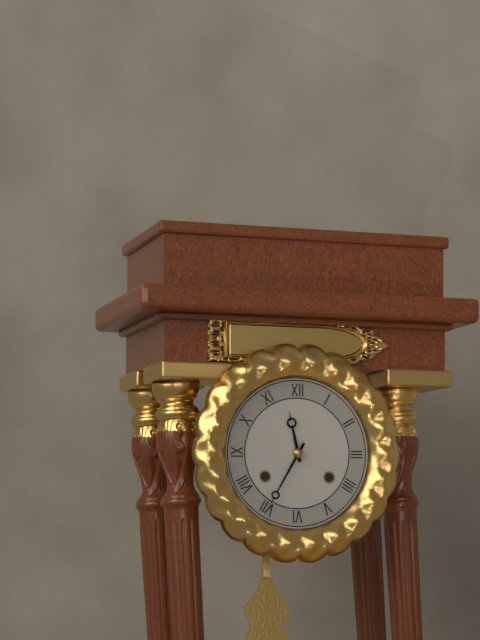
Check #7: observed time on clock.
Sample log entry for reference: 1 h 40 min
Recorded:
11 h 35 min
